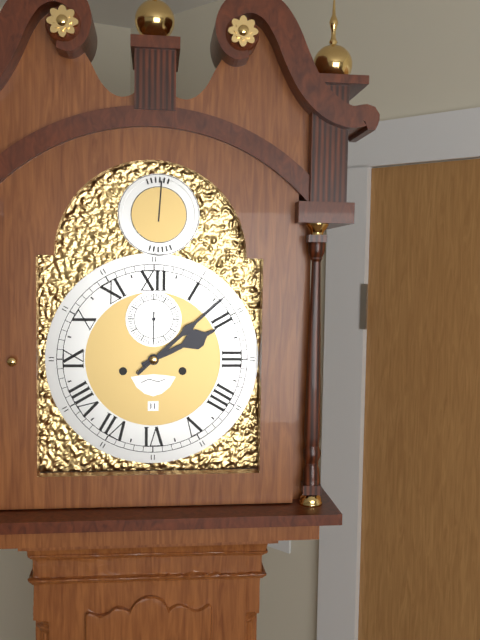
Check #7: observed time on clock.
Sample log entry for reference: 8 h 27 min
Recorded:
2 h 08 min
